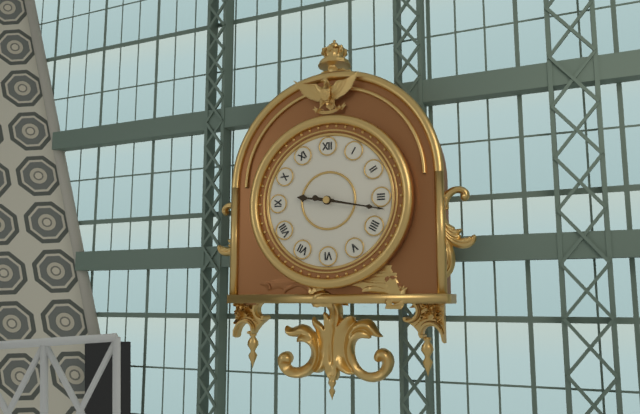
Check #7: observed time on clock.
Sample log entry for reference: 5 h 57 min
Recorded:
9 h 17 min
